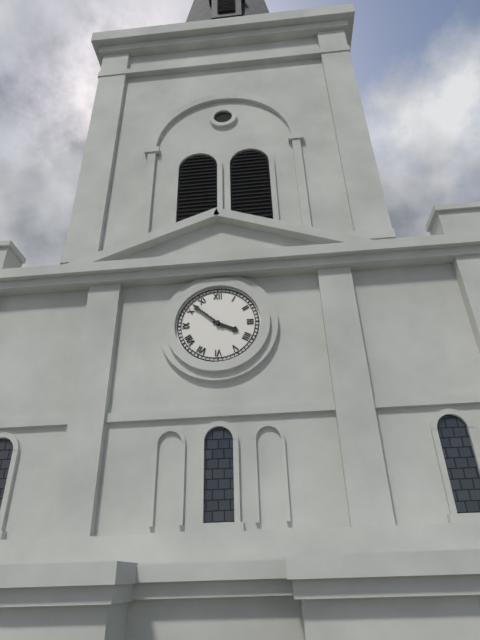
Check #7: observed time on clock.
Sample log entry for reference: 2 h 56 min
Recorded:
3 h 52 min
